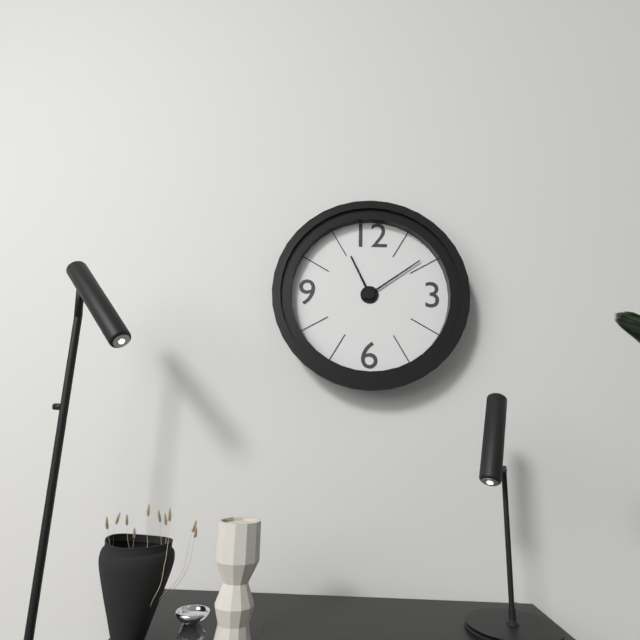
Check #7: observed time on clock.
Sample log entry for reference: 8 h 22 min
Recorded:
11 h 09 min
